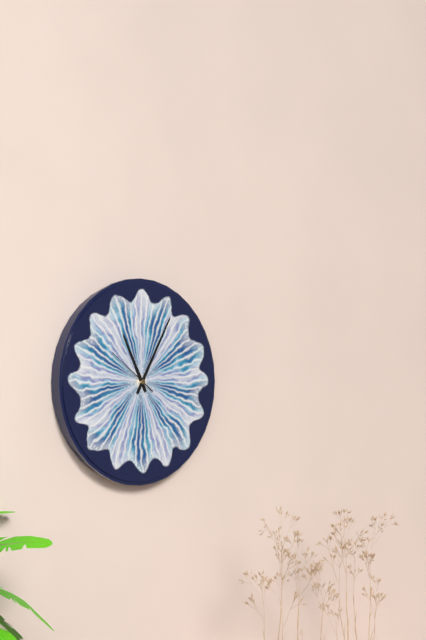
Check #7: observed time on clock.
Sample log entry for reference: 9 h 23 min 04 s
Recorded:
11 h 05 min 51 s
